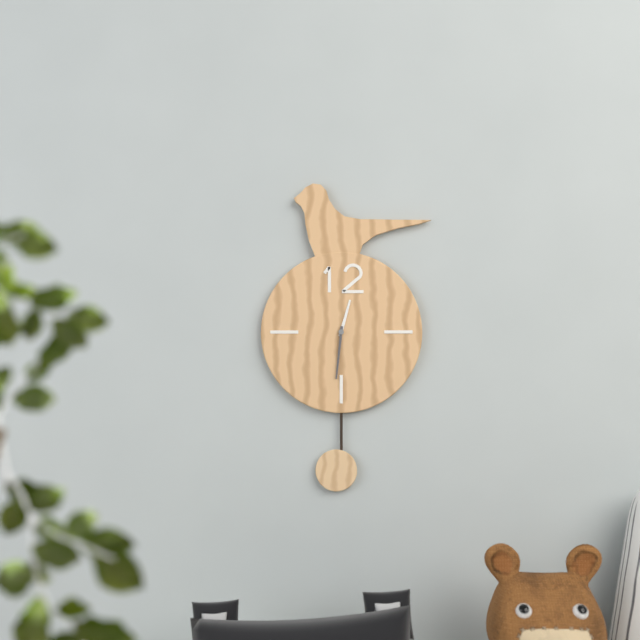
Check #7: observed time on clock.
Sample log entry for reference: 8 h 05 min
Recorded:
12 h 31 min
